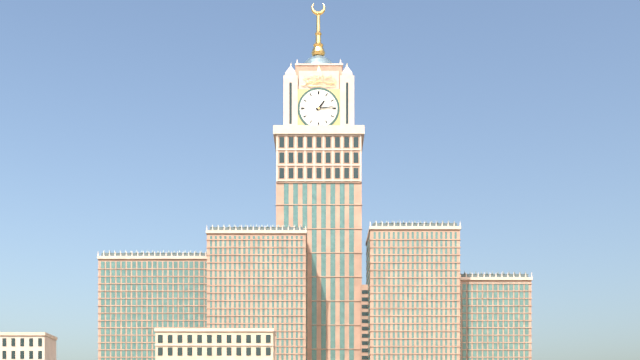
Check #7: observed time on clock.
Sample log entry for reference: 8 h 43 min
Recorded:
1 h 14 min
